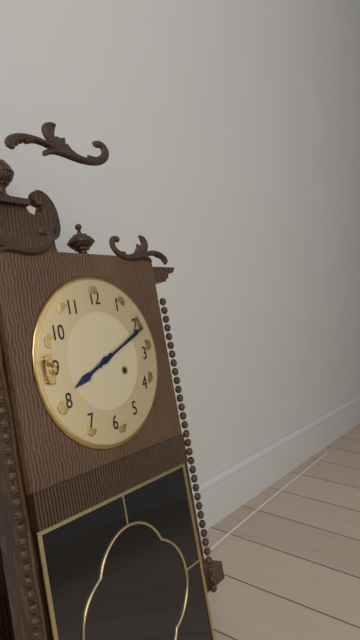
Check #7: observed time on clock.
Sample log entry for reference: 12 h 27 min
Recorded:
8 h 11 min
